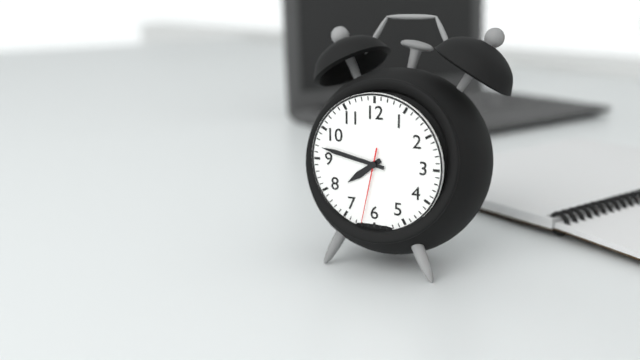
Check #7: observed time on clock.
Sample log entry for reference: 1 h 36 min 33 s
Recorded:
7 h 47 min 32 s
